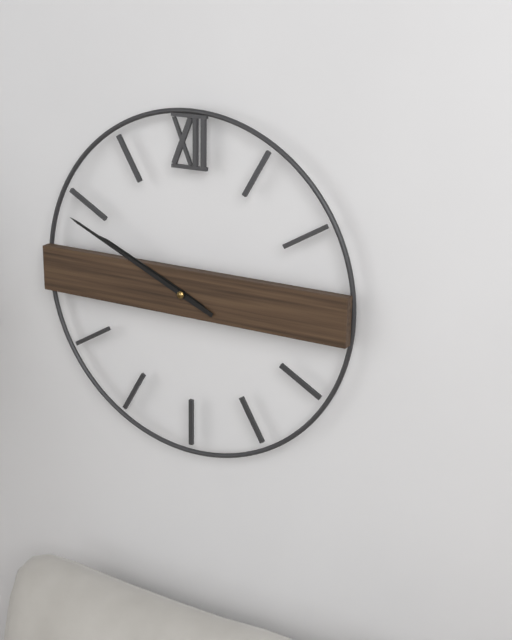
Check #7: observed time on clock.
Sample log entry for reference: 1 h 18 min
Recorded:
9 h 49 min
